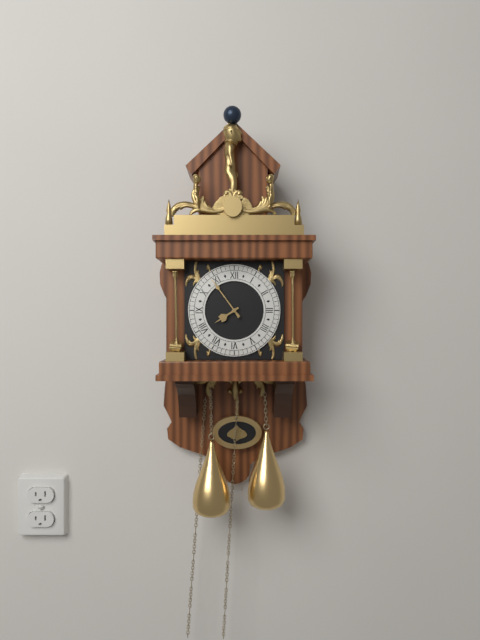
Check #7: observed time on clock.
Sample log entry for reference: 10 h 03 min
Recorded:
7 h 54 min
